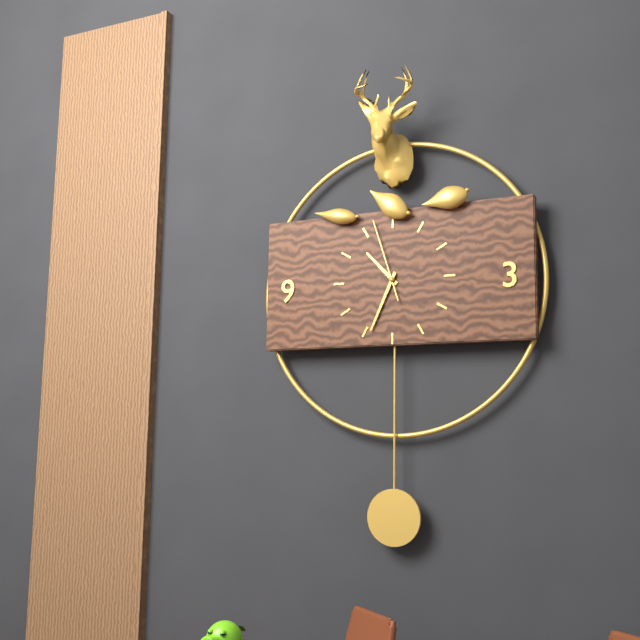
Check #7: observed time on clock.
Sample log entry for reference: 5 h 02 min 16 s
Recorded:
10 h 34 min 57 s
